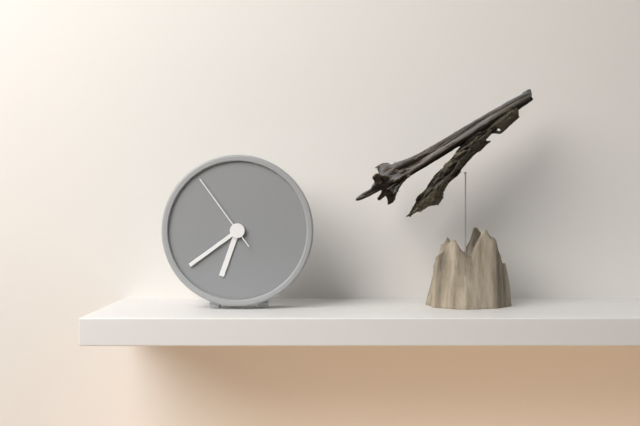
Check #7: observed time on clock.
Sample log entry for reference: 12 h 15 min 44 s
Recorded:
6 h 39 min 54 s
